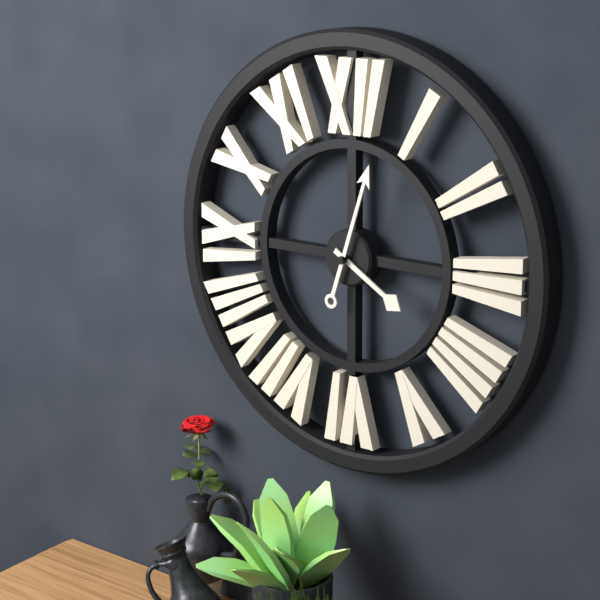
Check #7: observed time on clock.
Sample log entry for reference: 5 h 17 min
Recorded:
4 h 03 min
